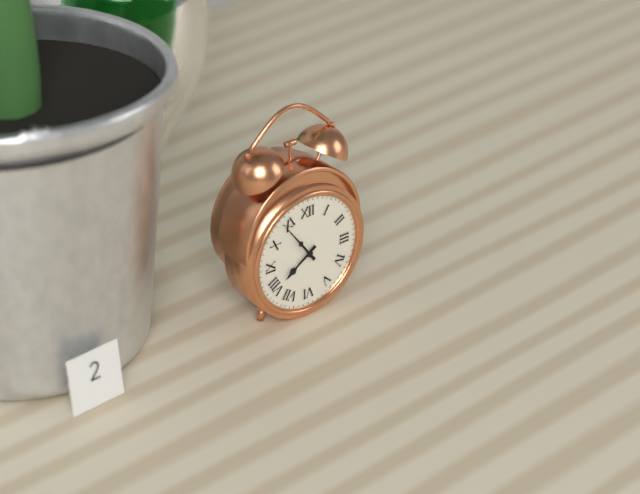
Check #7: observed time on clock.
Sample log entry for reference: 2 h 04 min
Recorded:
7 h 54 min
